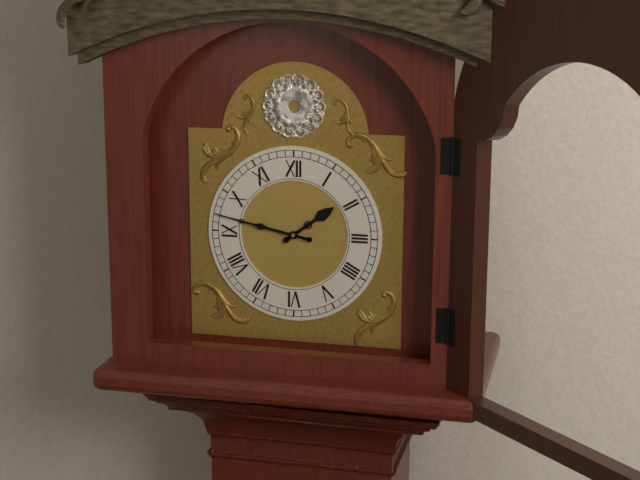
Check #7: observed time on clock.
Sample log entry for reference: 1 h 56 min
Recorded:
1 h 47 min
